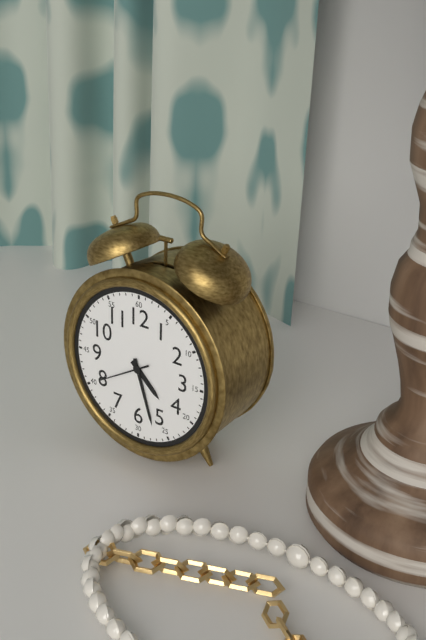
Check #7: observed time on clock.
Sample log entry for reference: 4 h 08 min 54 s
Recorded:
4 h 27 min 40 s
